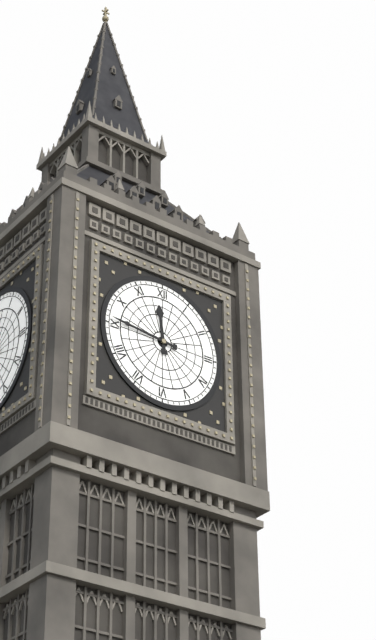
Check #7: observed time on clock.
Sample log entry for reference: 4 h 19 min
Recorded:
11 h 46 min
